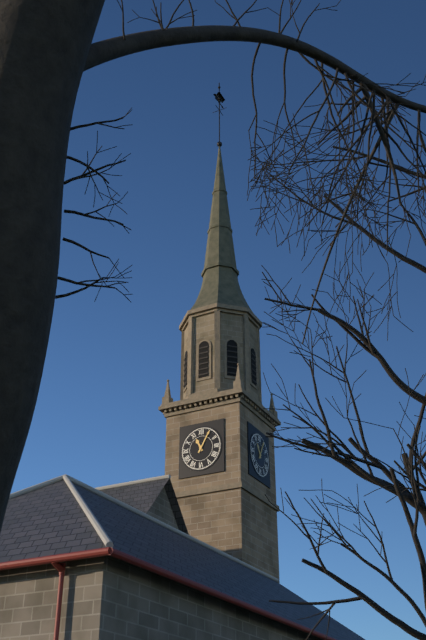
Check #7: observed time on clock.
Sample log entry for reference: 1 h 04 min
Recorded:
11 h 05 min
